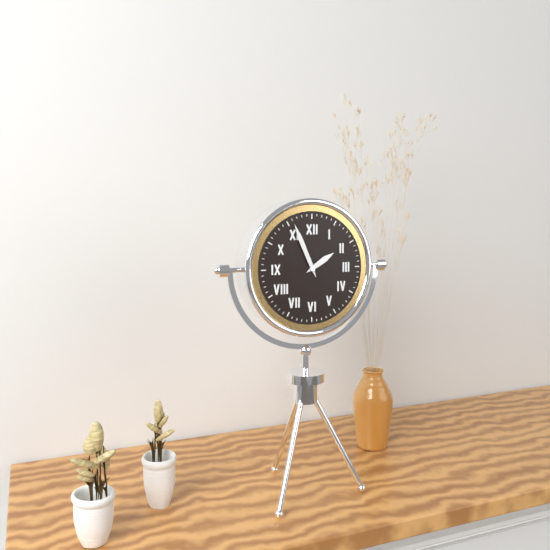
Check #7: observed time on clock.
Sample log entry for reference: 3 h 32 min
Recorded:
1 h 56 min
